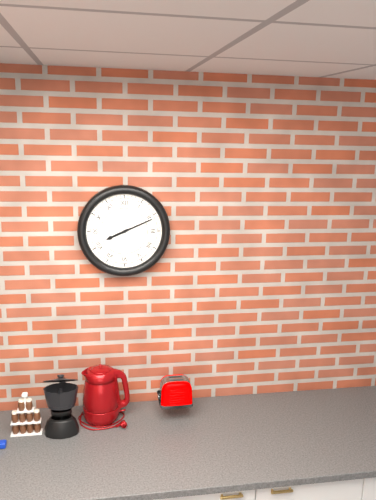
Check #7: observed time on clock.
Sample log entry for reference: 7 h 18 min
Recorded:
8 h 11 min
